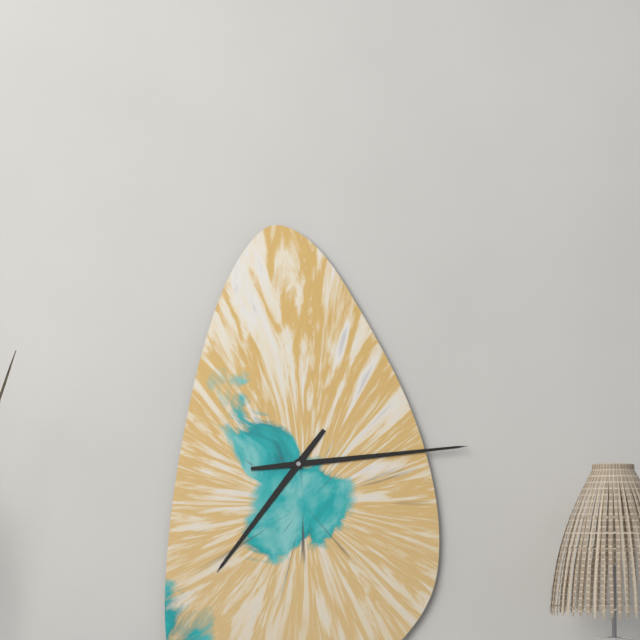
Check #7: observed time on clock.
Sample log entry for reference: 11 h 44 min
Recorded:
7 h 14 min
